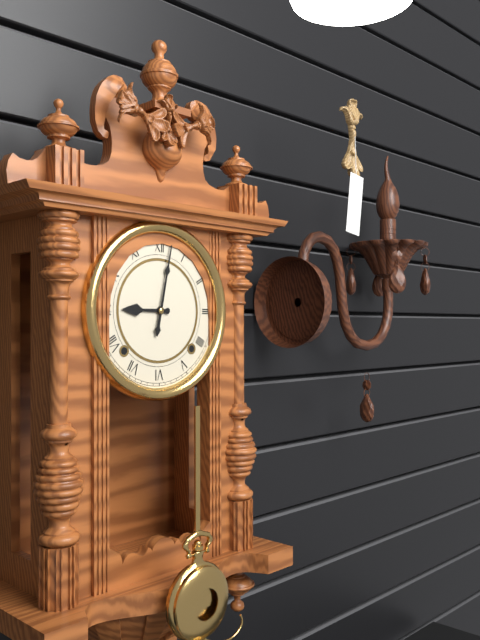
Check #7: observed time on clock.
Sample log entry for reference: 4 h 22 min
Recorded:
9 h 02 min
